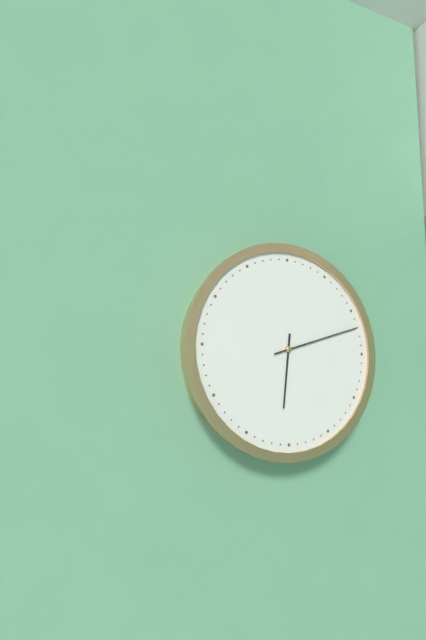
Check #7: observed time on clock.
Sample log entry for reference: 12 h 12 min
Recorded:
6 h 12 min
